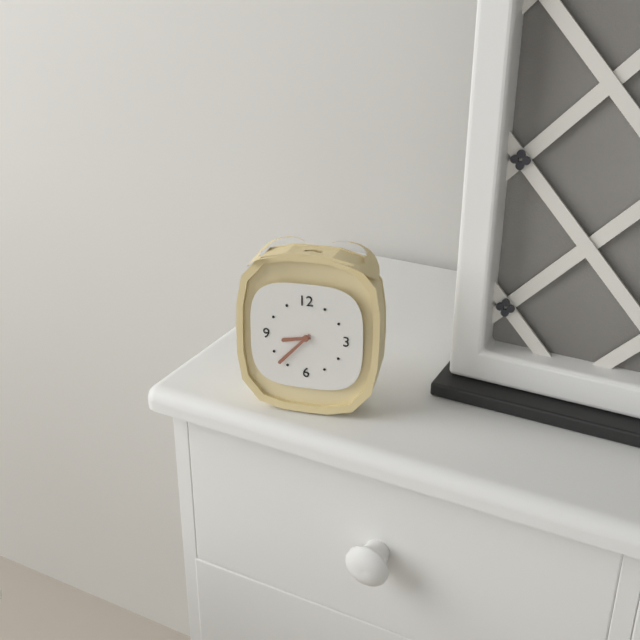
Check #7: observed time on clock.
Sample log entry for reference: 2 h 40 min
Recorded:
8 h 37 min
